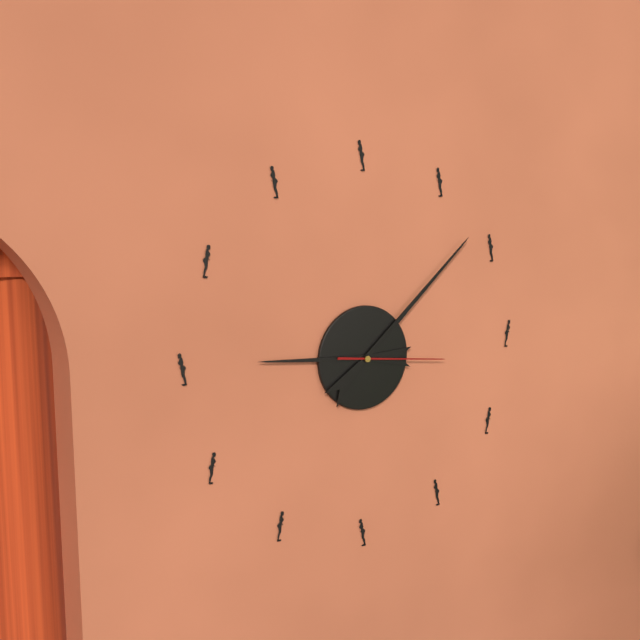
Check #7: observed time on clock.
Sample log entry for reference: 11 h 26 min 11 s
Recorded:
9 h 08 min 16 s
